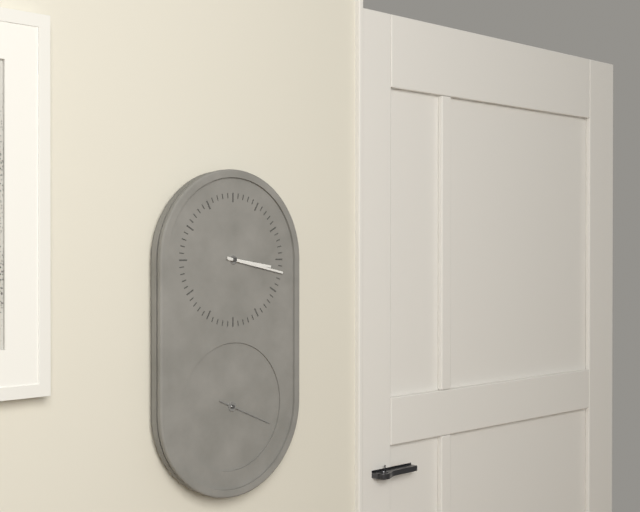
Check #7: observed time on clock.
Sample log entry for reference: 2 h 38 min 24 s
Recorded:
3 h 17 min 19 s
